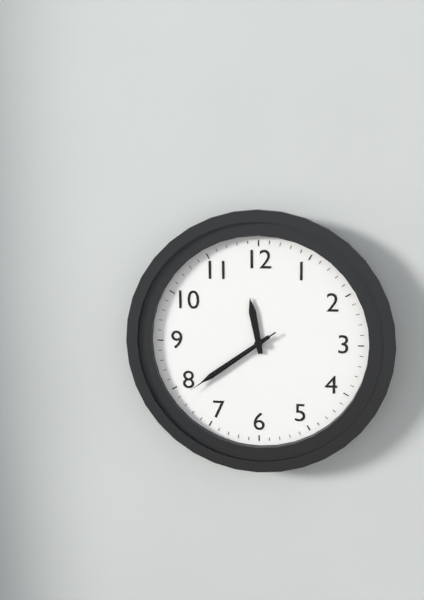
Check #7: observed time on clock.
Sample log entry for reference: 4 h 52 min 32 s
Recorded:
11 h 39 min 39 s
